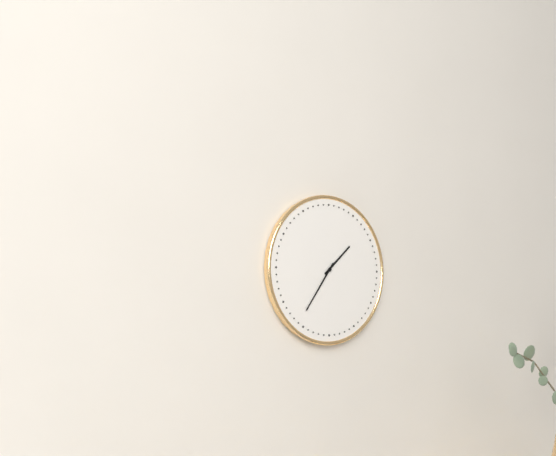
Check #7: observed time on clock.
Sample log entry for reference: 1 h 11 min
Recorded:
1 h 36 min
